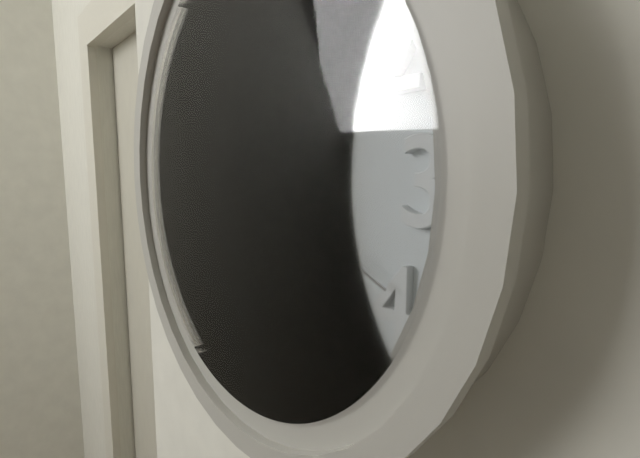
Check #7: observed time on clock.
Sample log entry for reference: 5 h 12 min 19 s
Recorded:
6 h 48 min 19 s
